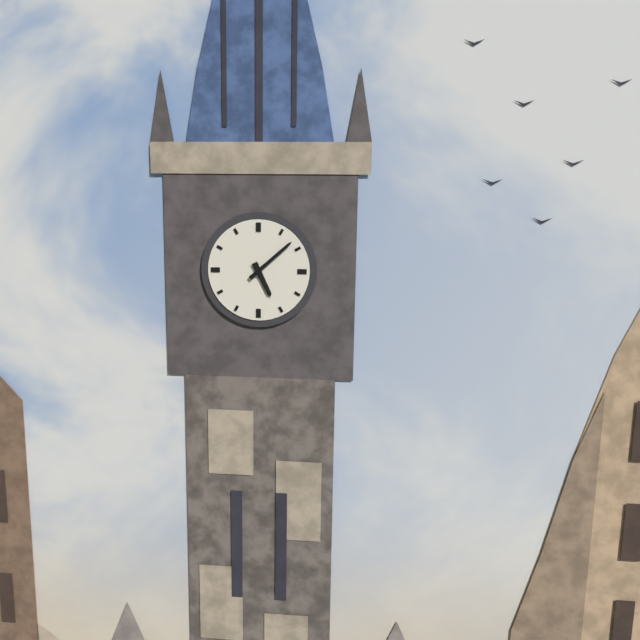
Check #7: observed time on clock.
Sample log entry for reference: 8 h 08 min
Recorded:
5 h 08 min
